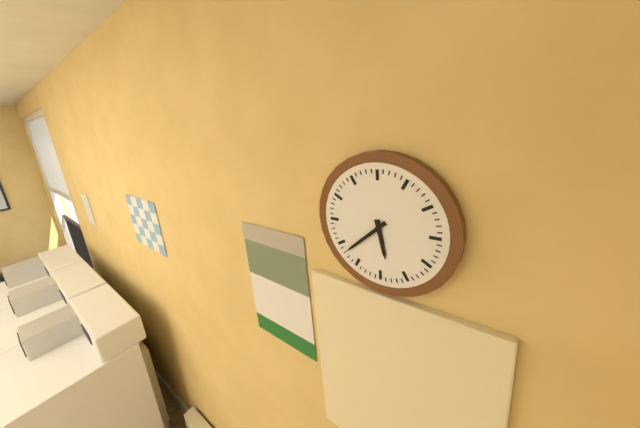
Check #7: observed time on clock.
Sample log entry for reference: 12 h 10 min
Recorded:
5 h 38 min
